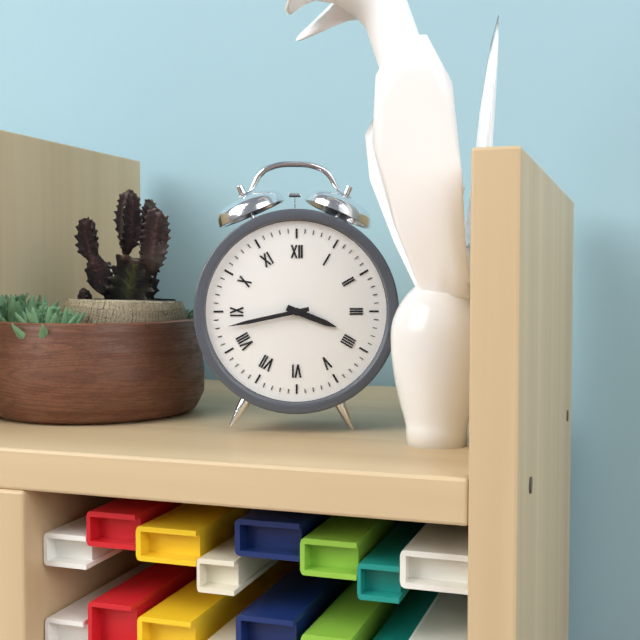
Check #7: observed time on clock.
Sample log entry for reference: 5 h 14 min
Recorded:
3 h 43 min
